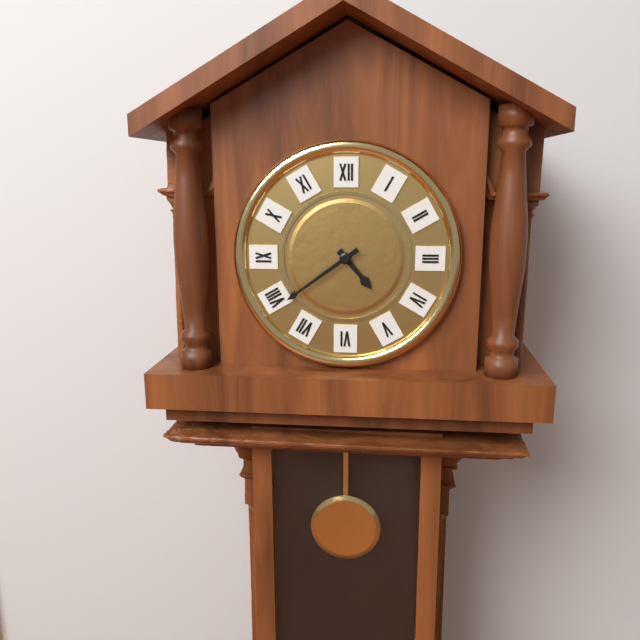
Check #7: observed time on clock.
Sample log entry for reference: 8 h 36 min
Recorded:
4 h 39 min
